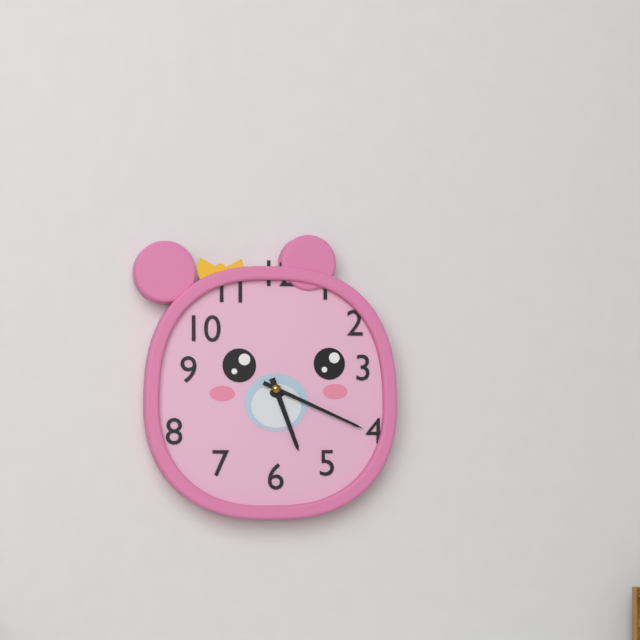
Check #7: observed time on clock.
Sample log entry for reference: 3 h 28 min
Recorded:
5 h 19 min
